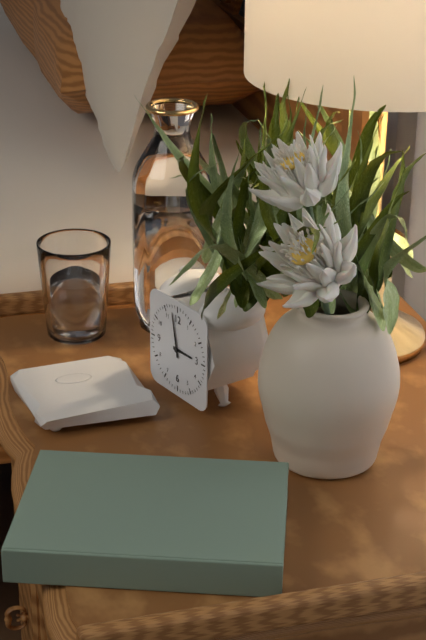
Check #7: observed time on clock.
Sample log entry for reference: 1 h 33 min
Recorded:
2 h 58 min
